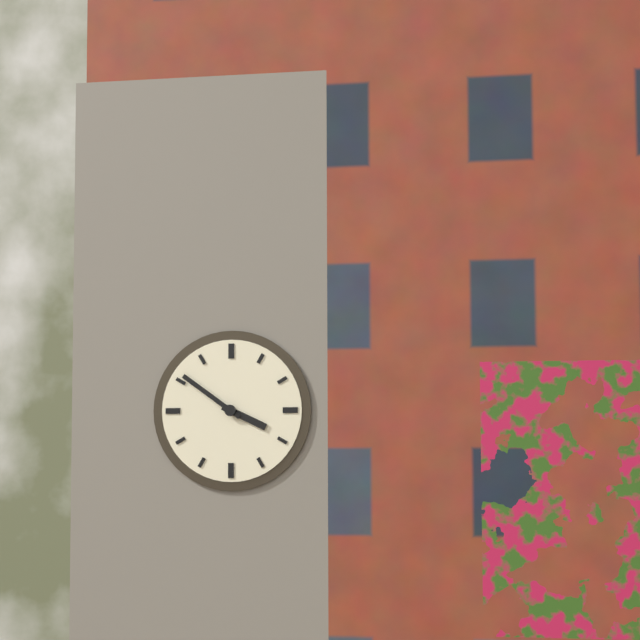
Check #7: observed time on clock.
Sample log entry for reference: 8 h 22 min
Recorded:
3 h 51 min
